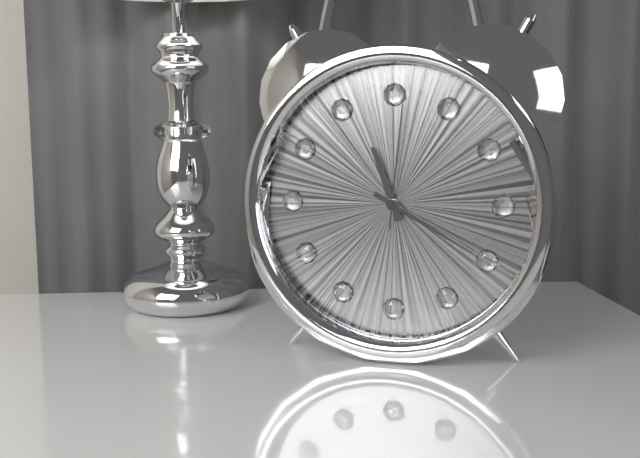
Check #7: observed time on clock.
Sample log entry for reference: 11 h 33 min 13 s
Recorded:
11 h 20 min 01 s
